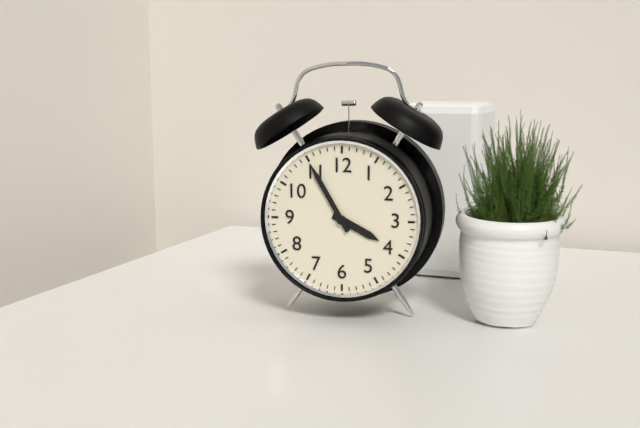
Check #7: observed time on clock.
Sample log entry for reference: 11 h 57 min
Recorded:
3 h 55 min
